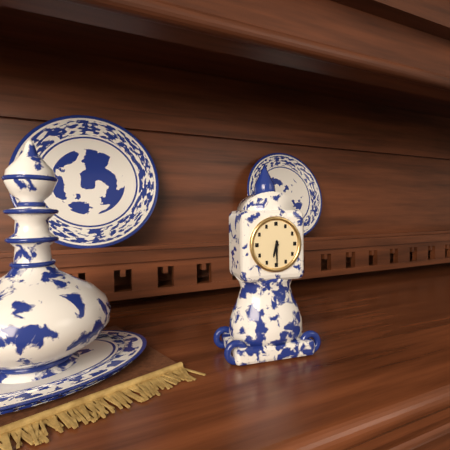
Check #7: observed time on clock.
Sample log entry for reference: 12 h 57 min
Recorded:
6 h 30 min
